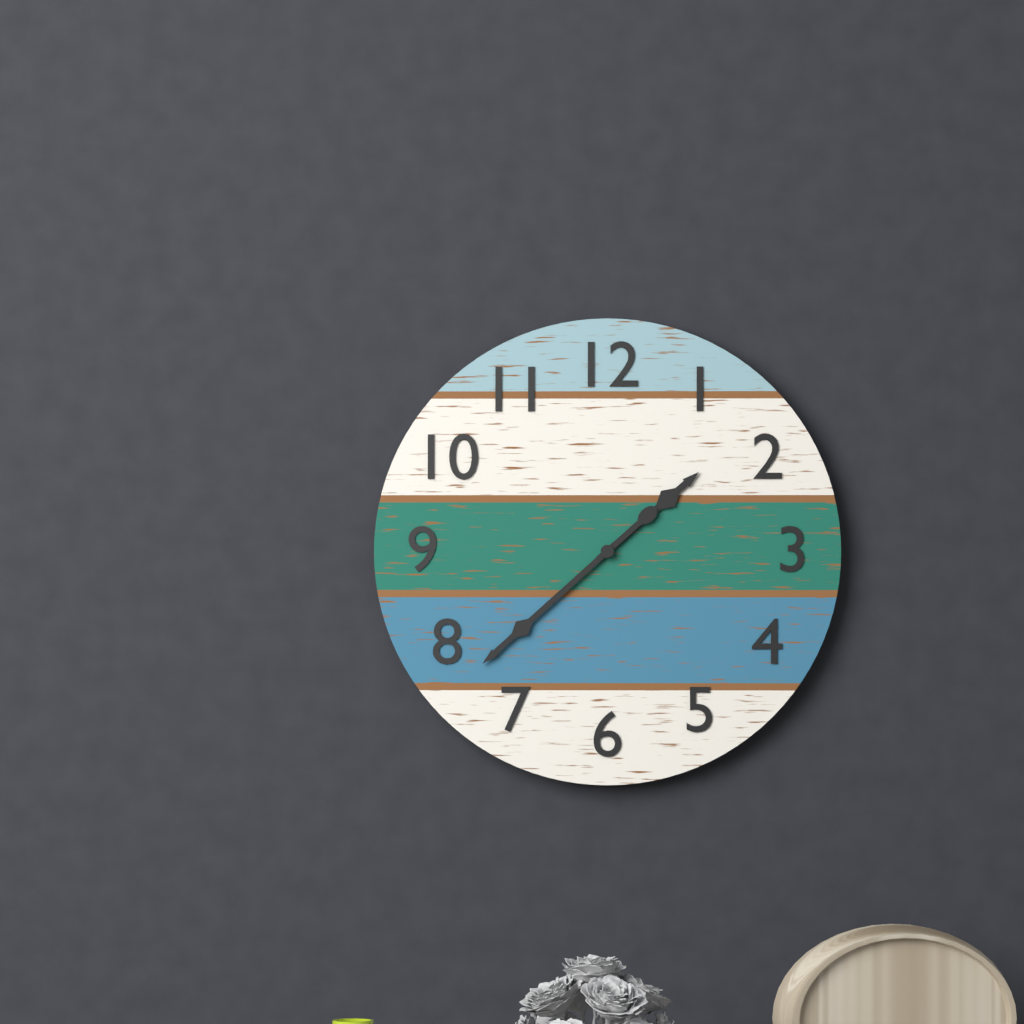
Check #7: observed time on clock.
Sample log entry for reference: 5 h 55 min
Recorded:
1 h 38 min
